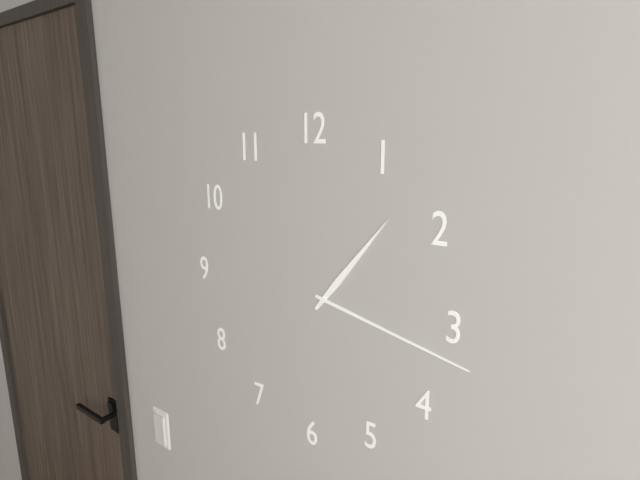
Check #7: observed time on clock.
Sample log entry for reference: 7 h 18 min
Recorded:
1 h 17 min
